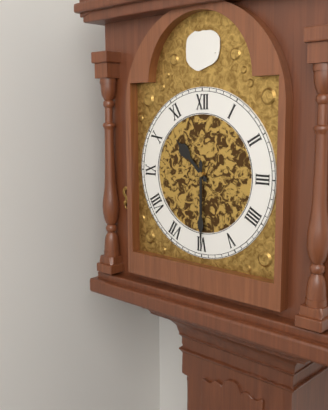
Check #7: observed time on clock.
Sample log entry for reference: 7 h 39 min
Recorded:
10 h 30 min
